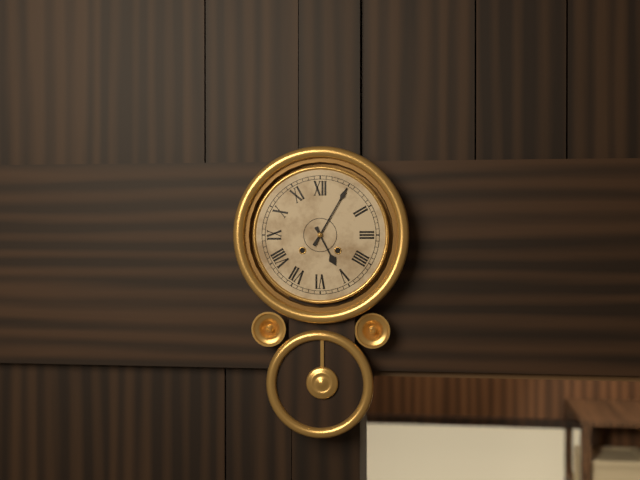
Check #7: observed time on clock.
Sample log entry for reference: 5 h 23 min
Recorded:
5 h 05 min
